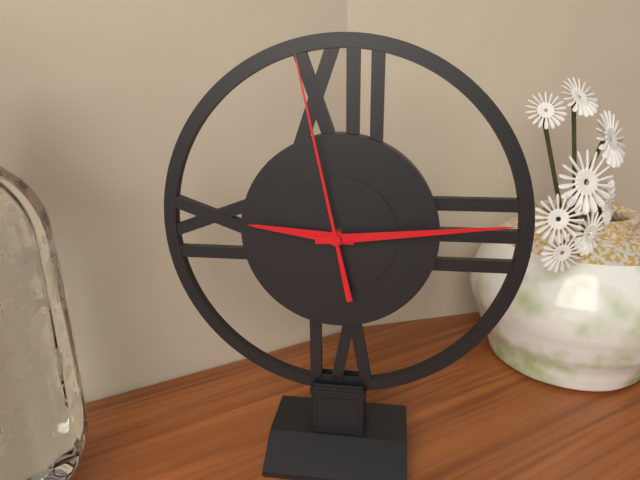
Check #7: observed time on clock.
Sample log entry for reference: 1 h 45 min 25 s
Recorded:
9 h 14 min 58 s
